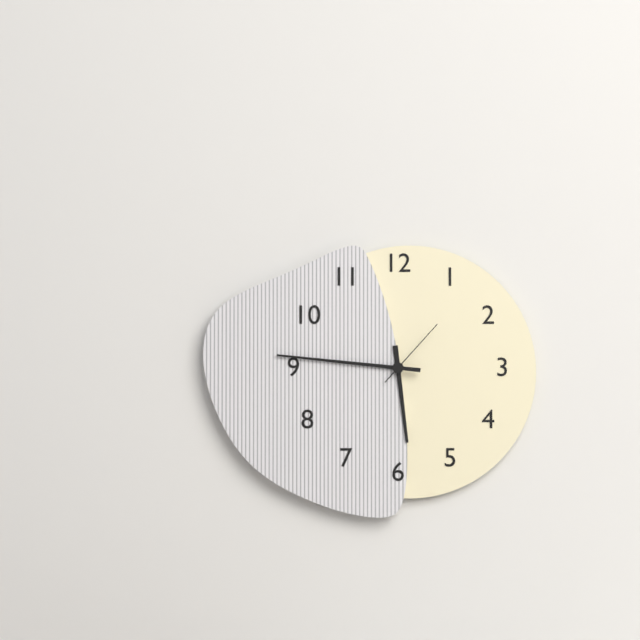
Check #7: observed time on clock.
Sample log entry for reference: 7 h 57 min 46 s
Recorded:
5 h 46 min 07 s
